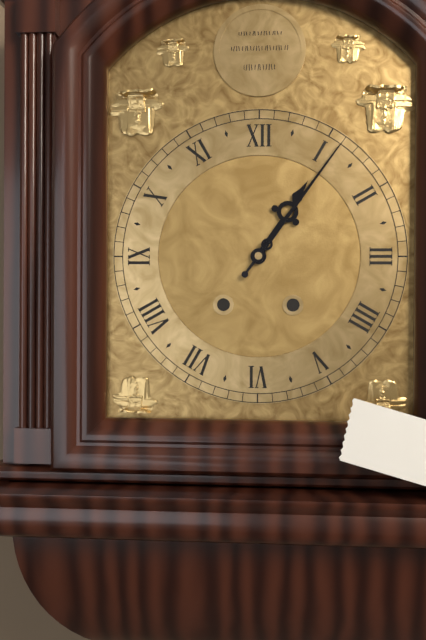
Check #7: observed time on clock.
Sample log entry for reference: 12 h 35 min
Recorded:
1 h 06 min
